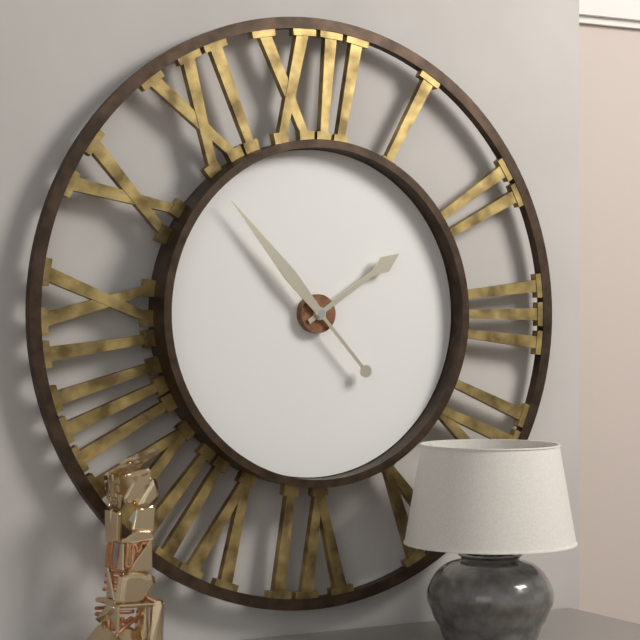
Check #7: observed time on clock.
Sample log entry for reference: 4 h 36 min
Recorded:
1 h 53 min
